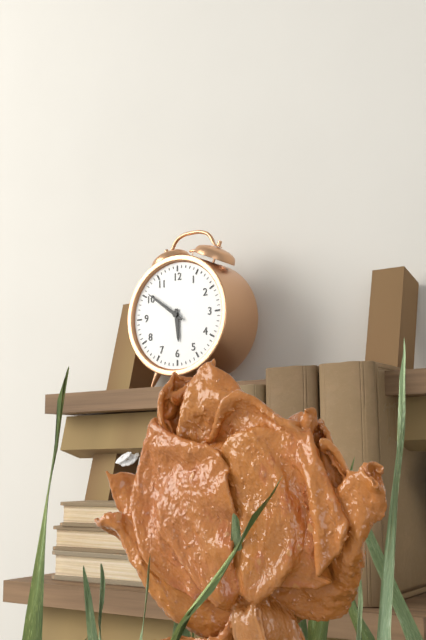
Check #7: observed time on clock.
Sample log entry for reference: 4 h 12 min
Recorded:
5 h 51 min
